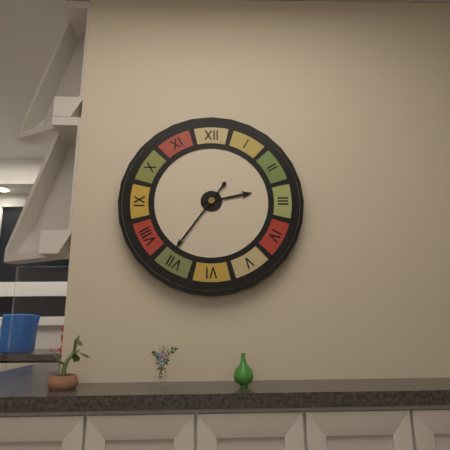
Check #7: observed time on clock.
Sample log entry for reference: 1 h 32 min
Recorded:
2 h 36 min
